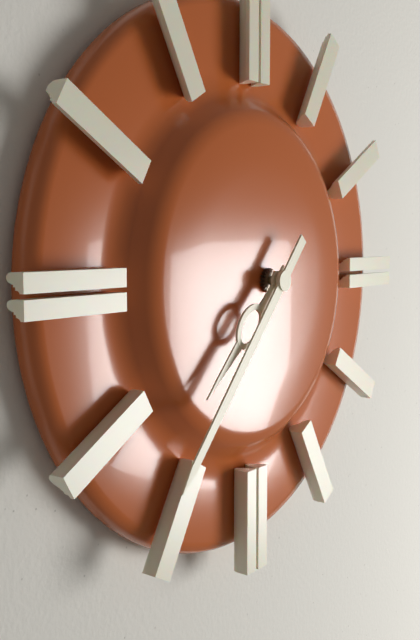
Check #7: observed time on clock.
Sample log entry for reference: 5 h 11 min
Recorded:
7 h 37 min
